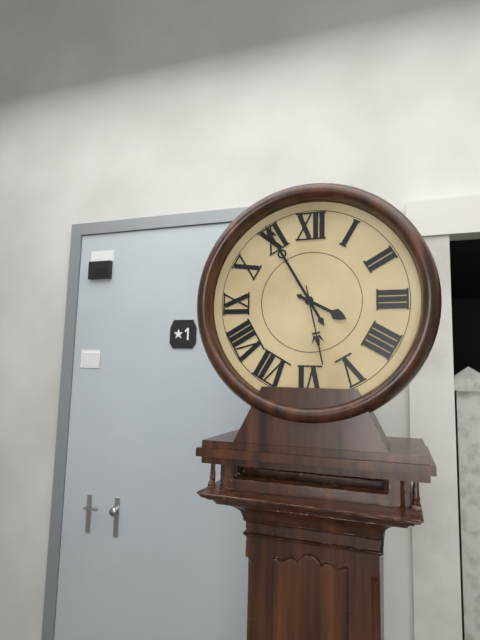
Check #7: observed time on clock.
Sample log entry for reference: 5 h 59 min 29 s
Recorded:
3 h 55 min 28 s
